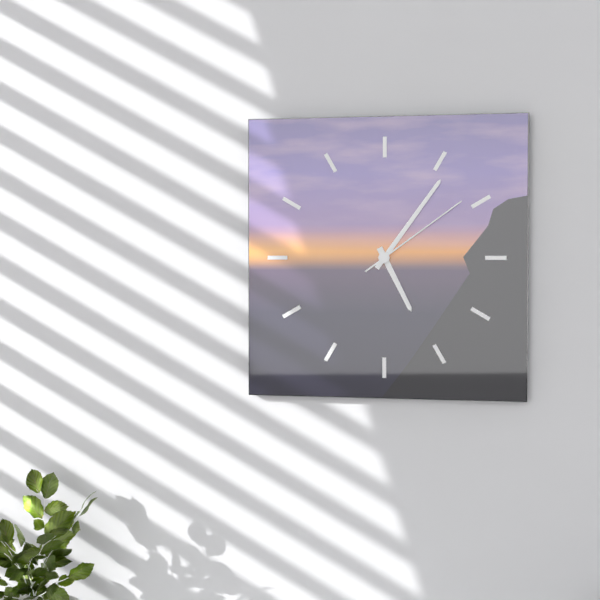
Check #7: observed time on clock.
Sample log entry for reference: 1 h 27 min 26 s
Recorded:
5 h 06 min 09 s
